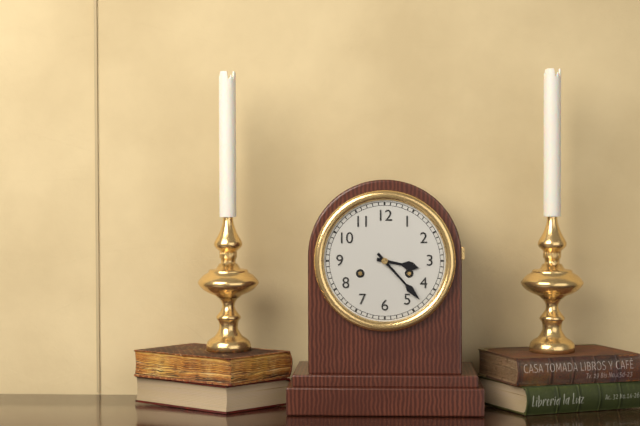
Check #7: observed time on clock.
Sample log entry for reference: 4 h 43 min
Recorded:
3 h 23 min
